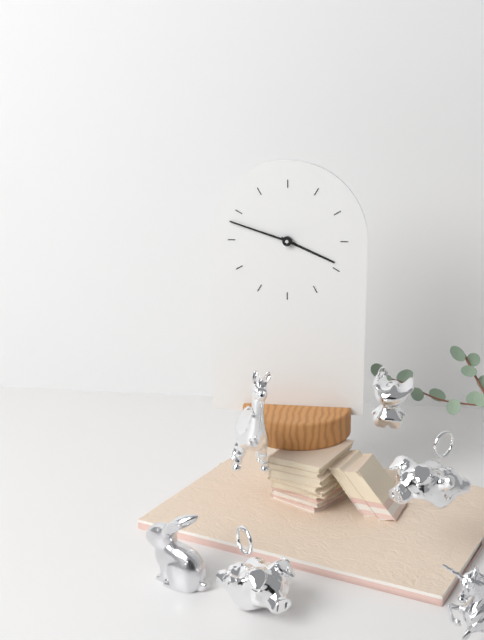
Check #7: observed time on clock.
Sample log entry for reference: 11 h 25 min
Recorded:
3 h 48 min
